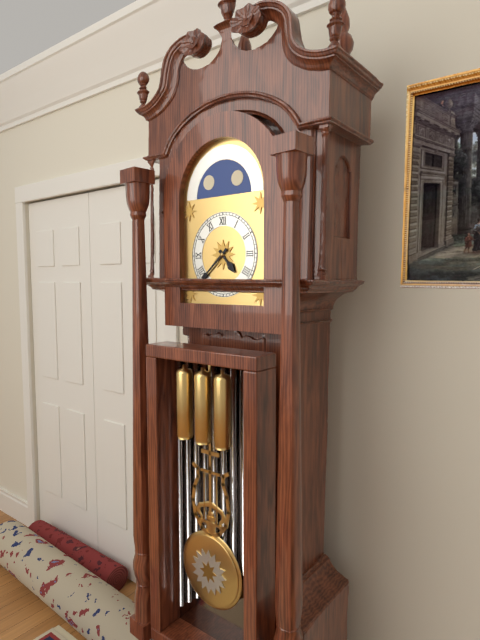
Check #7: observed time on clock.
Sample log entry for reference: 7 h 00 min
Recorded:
4 h 38 min
